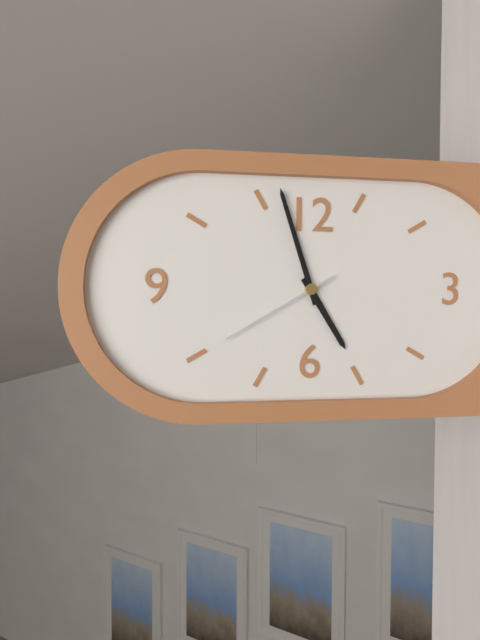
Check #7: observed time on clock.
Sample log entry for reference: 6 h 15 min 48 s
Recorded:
4 h 57 min 40 s
